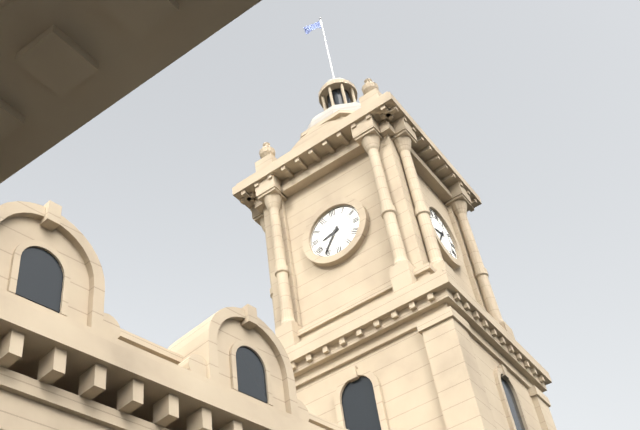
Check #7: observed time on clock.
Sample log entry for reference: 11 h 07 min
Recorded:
8 h 36 min
